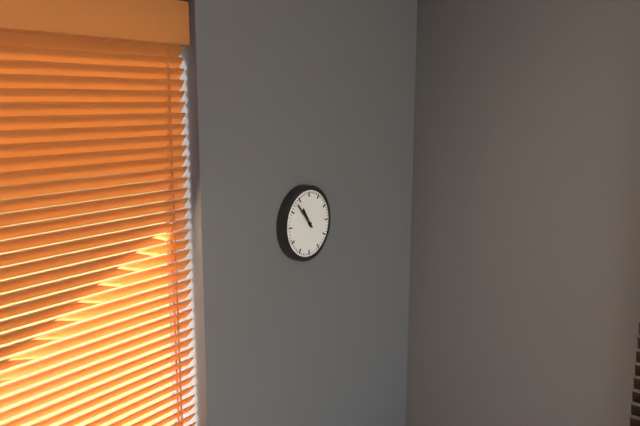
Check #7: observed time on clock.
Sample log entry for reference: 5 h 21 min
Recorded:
10 h 53 min
